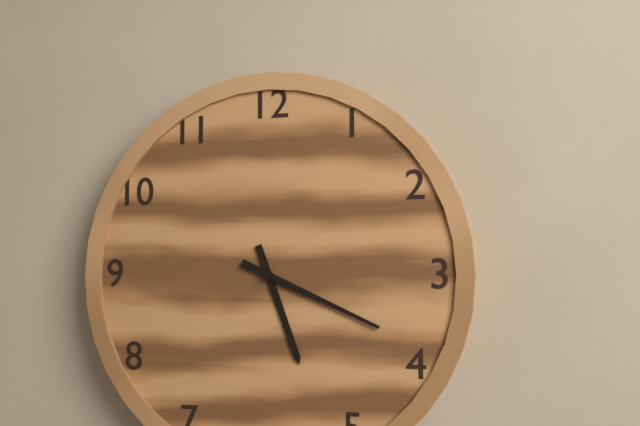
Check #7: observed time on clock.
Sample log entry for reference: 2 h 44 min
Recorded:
5 h 19 min
